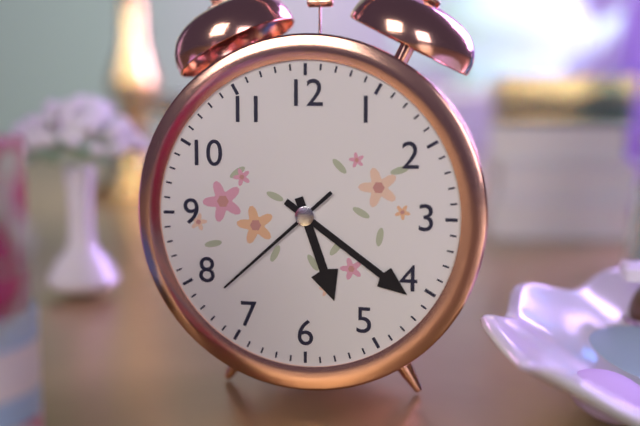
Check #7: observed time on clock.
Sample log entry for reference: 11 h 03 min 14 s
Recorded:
5 h 21 min 38 s
